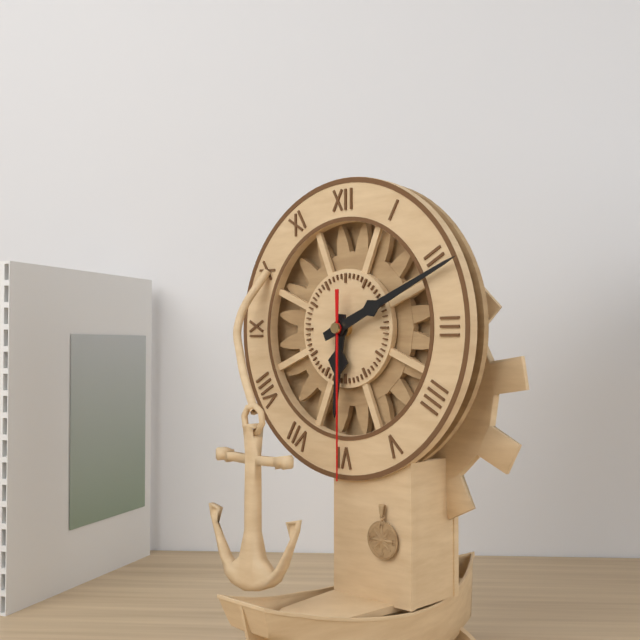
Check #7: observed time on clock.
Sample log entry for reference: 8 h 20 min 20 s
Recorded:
6 h 11 min 30 s
